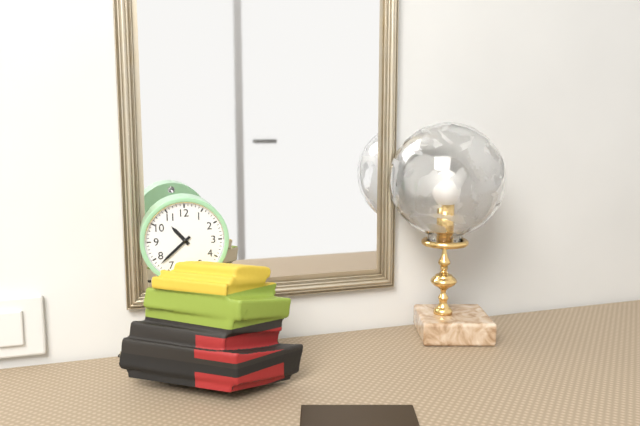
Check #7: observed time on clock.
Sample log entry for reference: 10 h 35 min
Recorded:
10 h 38 min
